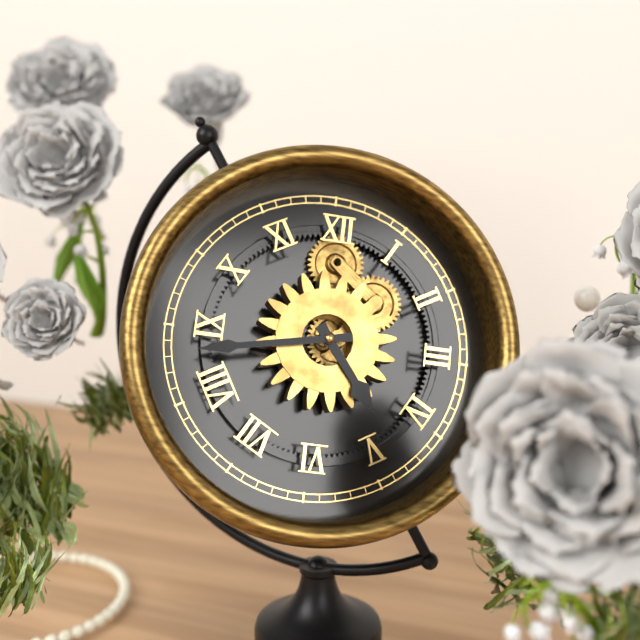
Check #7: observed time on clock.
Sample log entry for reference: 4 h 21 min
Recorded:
4 h 43 min
